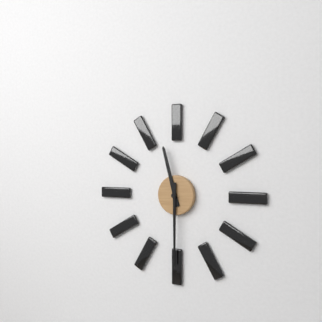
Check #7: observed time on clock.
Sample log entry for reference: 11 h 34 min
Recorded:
11 h 30 min
